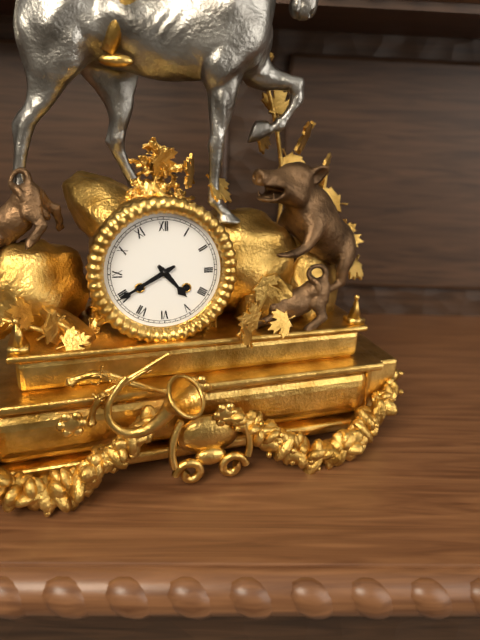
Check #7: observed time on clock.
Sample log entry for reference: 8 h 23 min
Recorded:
4 h 40 min
